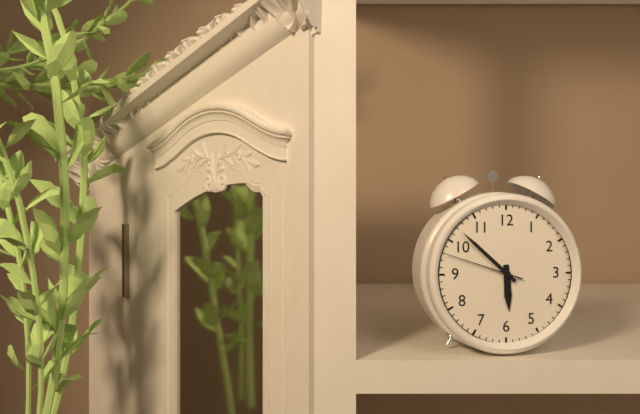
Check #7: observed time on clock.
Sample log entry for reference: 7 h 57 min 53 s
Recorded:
5 h 52 min 48 s
